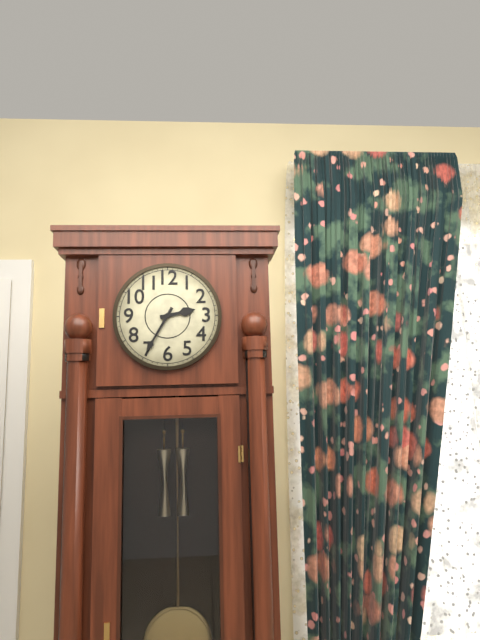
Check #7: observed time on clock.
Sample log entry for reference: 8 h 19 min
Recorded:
2 h 35 min
